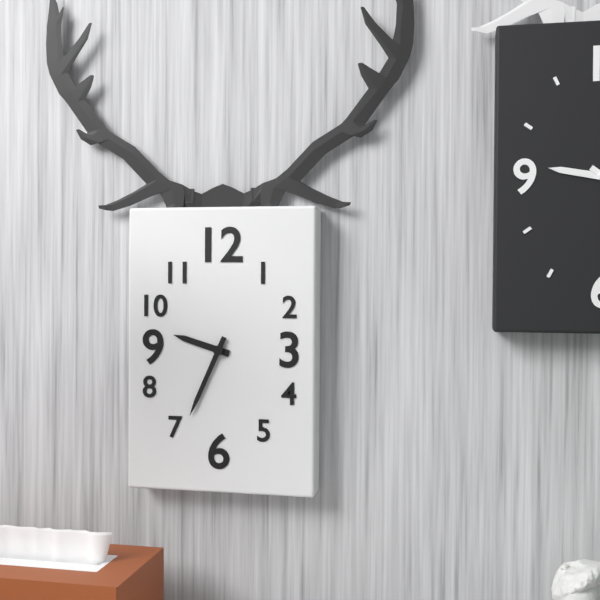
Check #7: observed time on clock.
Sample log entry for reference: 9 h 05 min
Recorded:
9 h 34 min
